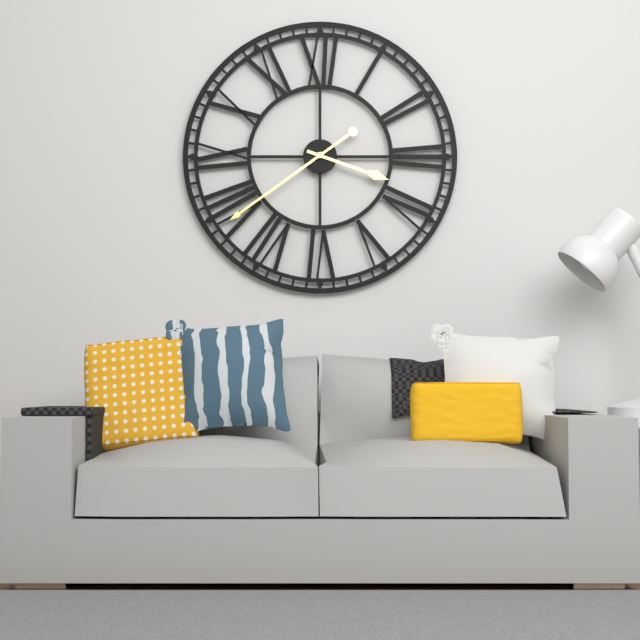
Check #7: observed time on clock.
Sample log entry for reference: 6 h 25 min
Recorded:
3 h 39 min
